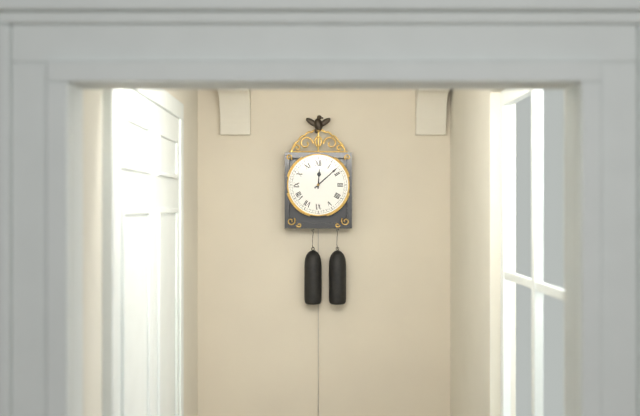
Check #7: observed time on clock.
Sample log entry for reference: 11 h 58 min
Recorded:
12 h 08 min
